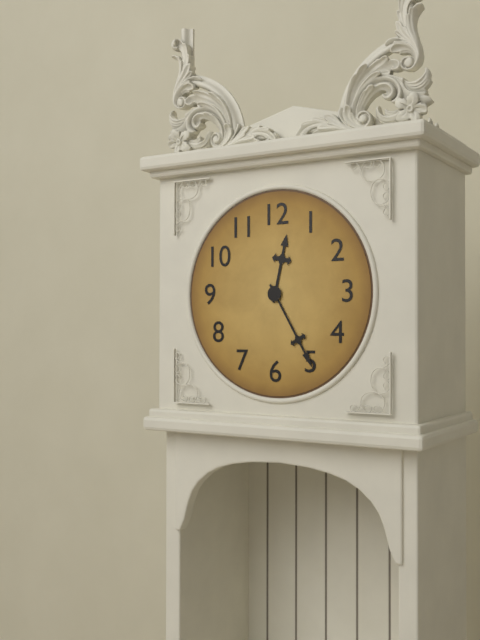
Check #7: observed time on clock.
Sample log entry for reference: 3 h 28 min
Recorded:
12 h 25 min
